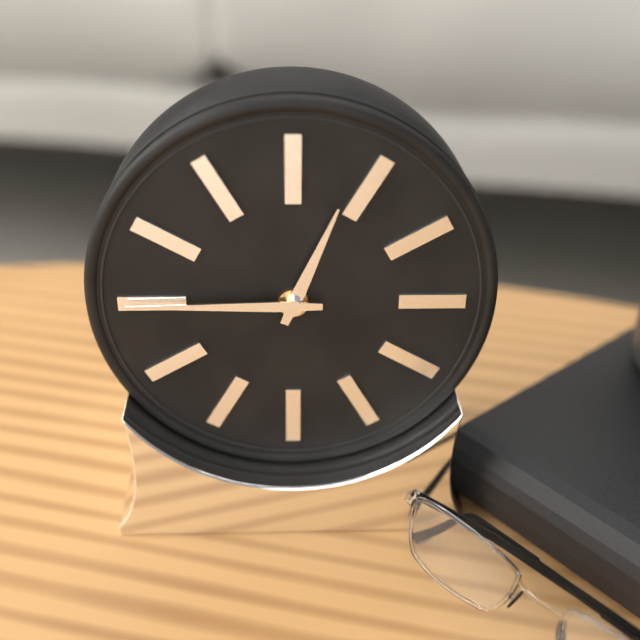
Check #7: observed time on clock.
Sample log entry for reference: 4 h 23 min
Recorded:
12 h 45 min
